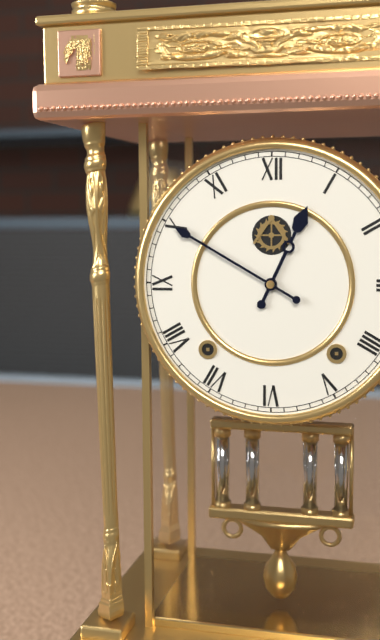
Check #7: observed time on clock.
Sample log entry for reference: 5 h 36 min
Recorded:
12 h 50 min
